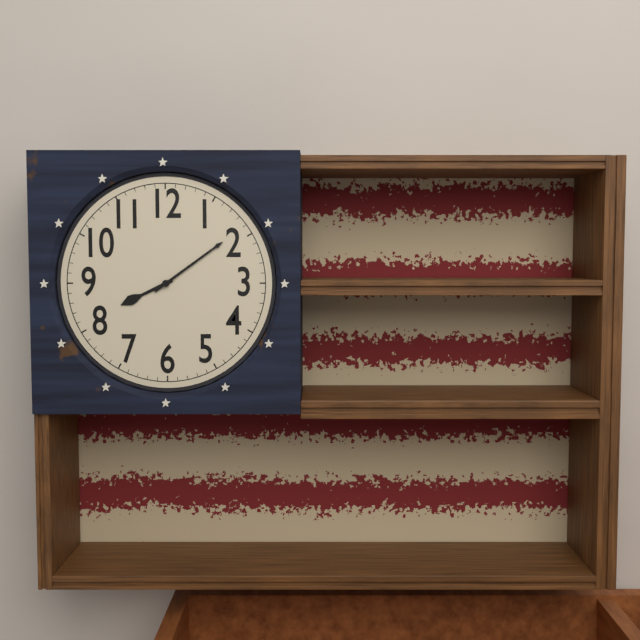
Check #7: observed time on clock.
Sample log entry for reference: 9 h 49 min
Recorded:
8 h 09 min
